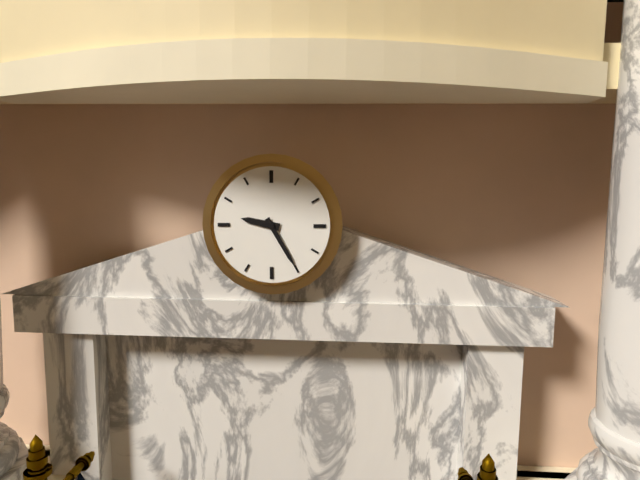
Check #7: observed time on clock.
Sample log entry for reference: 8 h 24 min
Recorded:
9 h 25 min
